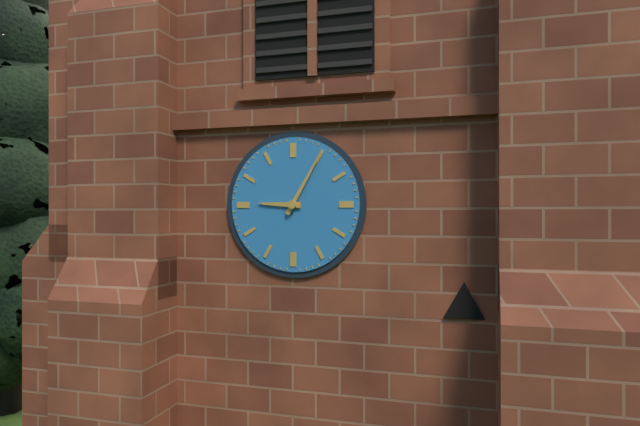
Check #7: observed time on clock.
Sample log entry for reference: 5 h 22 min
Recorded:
9 h 05 min
